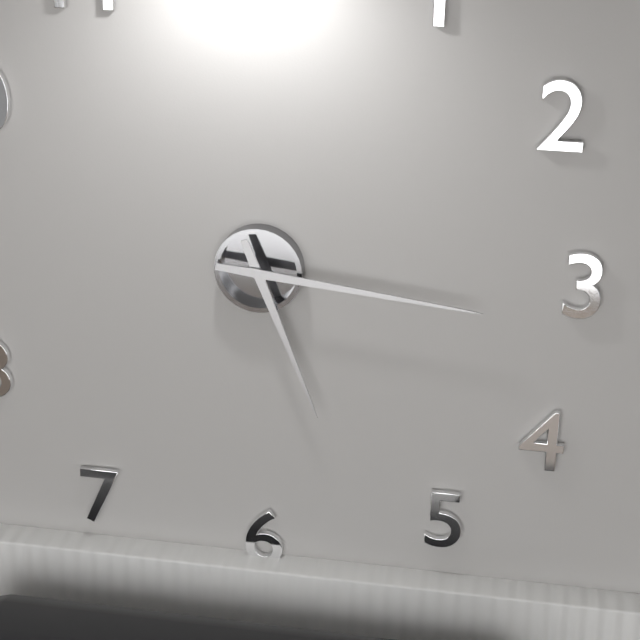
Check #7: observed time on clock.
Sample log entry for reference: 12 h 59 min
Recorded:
5 h 16 min
